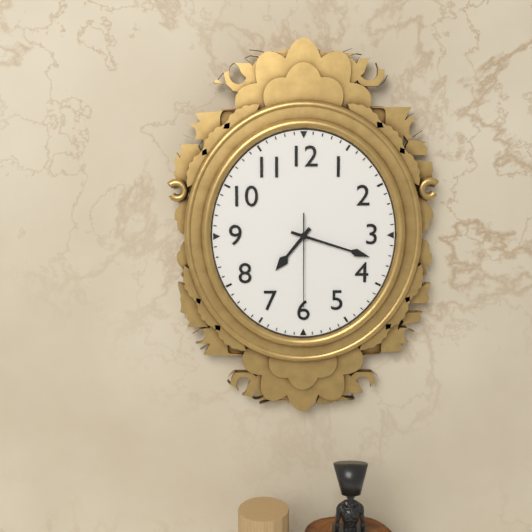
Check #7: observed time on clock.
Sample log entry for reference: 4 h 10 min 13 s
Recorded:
7 h 18 min 30 s
